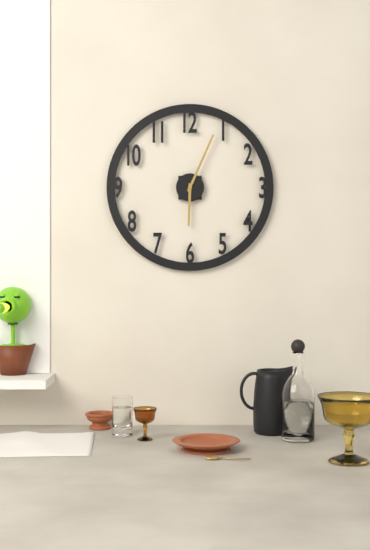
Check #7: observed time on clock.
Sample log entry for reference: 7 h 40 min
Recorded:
6 h 04 min
